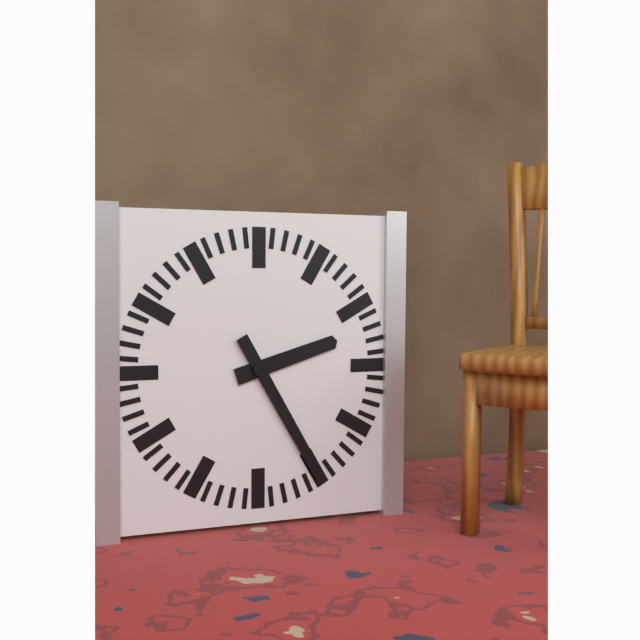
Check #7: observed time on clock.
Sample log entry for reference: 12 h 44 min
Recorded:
2 h 25 min
